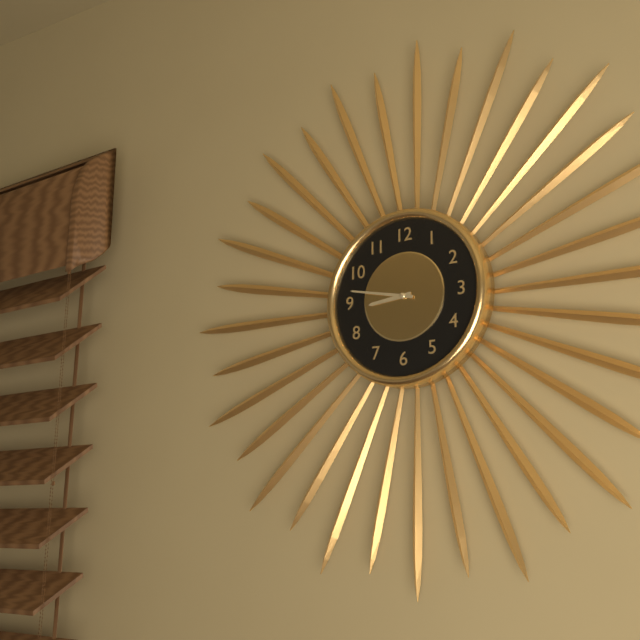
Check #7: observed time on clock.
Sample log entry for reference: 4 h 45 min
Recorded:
8 h 47 min
